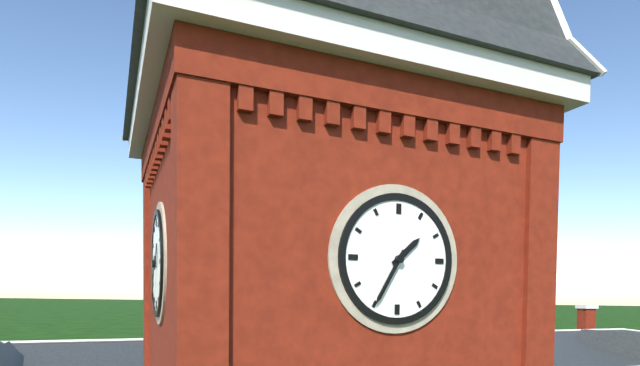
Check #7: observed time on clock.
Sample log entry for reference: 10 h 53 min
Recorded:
1 h 35 min
